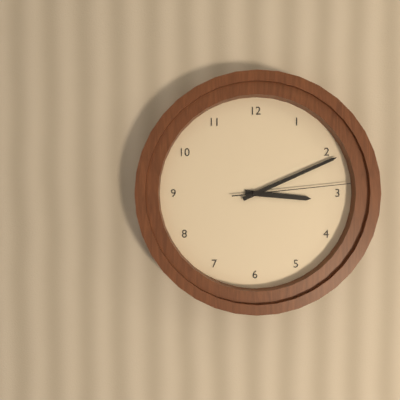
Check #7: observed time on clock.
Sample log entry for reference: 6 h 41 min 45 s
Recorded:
3 h 11 min 14 s
